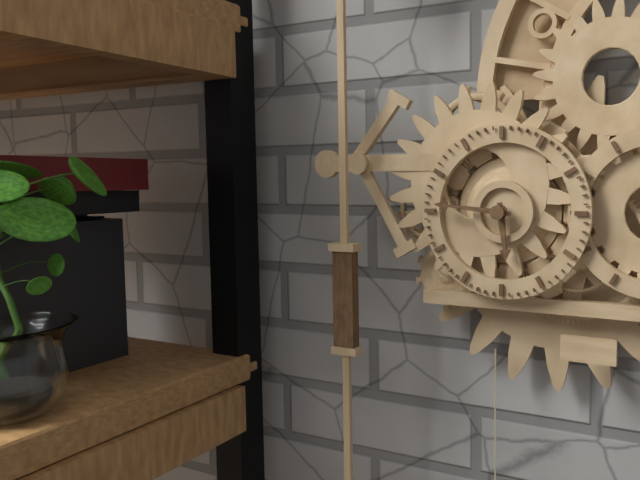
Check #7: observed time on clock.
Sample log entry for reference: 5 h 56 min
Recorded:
5 h 46 min
